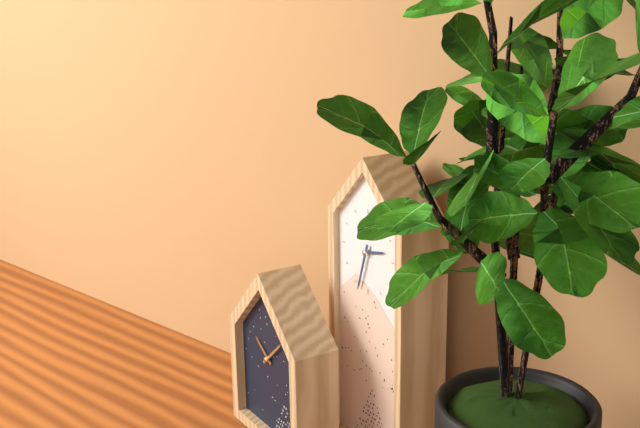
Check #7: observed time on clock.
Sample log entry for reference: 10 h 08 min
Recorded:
2 h 33 min
